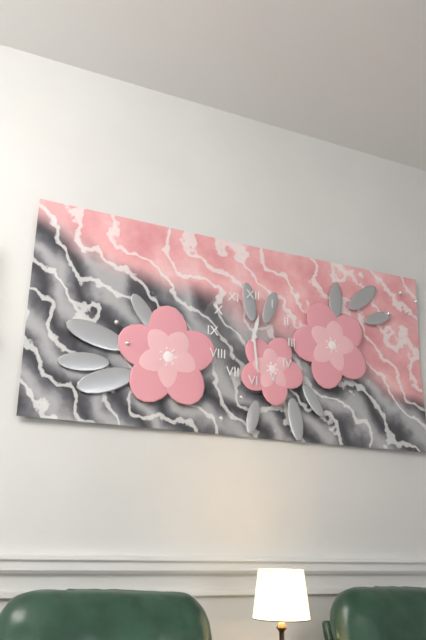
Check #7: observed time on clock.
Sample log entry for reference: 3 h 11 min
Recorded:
12 h 29 min
